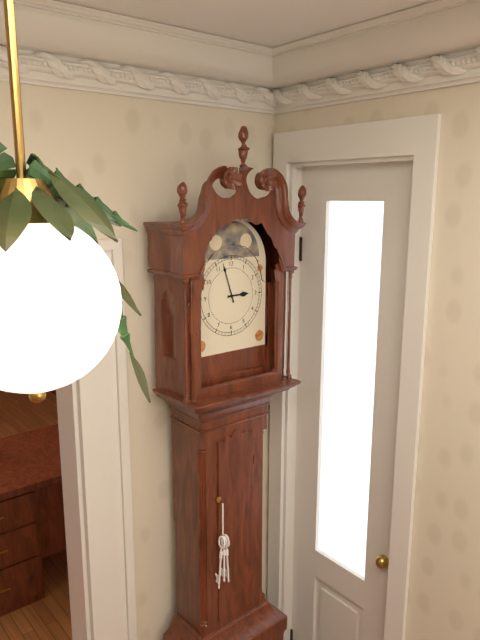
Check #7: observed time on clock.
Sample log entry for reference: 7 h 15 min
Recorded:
2 h 57 min
